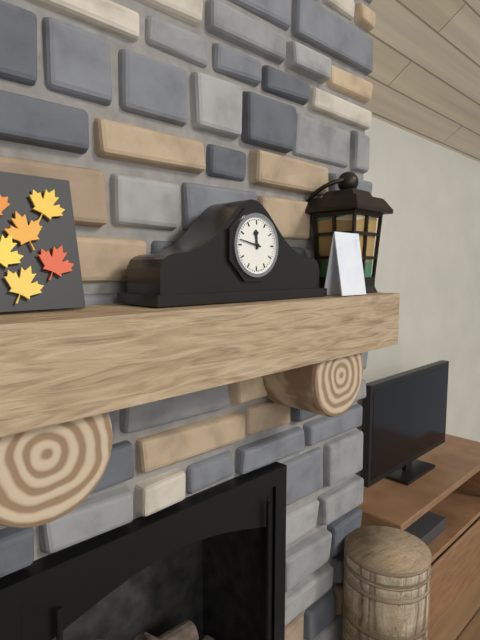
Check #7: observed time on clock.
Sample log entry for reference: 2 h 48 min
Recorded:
11 h 47 min
